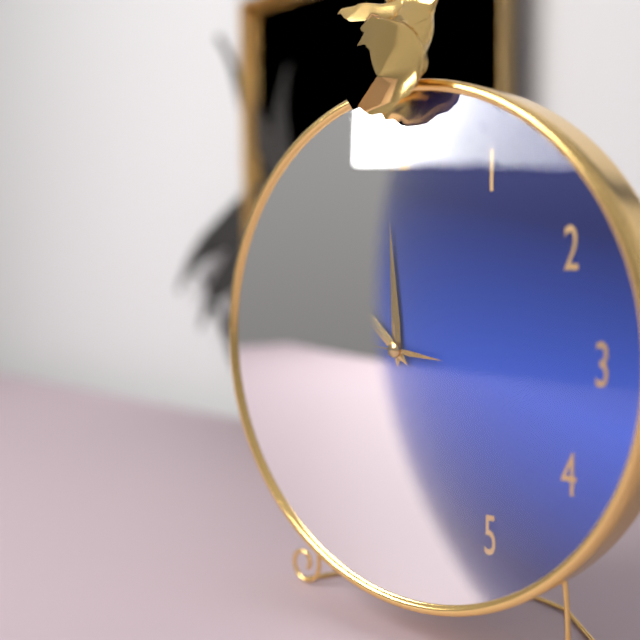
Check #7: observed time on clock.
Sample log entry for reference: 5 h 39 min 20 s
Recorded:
11 h 52 min 46 s
